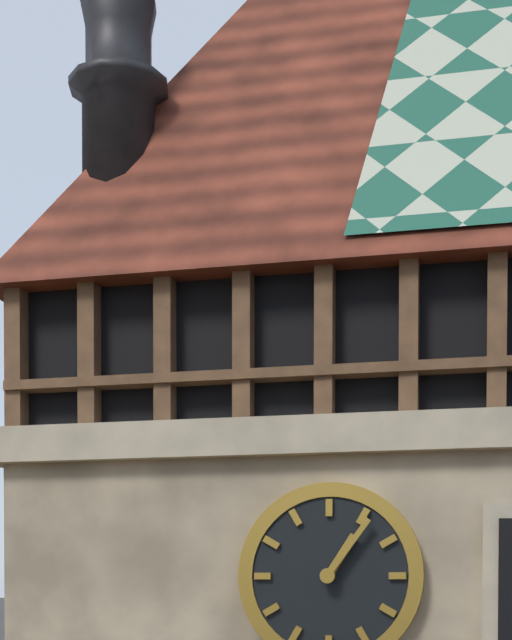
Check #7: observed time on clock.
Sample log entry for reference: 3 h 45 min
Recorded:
1 h 06 min
